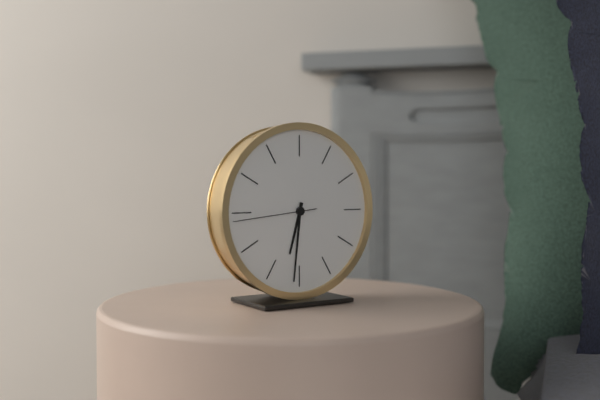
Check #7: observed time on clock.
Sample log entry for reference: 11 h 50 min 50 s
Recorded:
6 h 31 min 44 s
